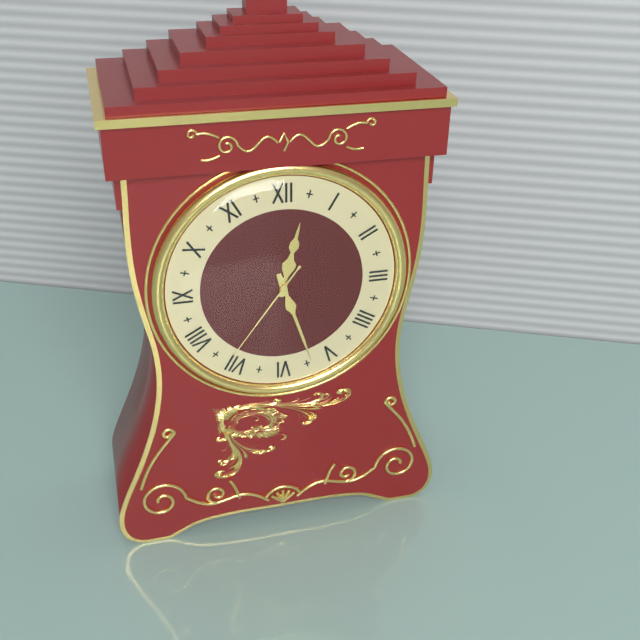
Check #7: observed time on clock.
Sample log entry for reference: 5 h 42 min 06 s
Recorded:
12 h 27 min 36 s
